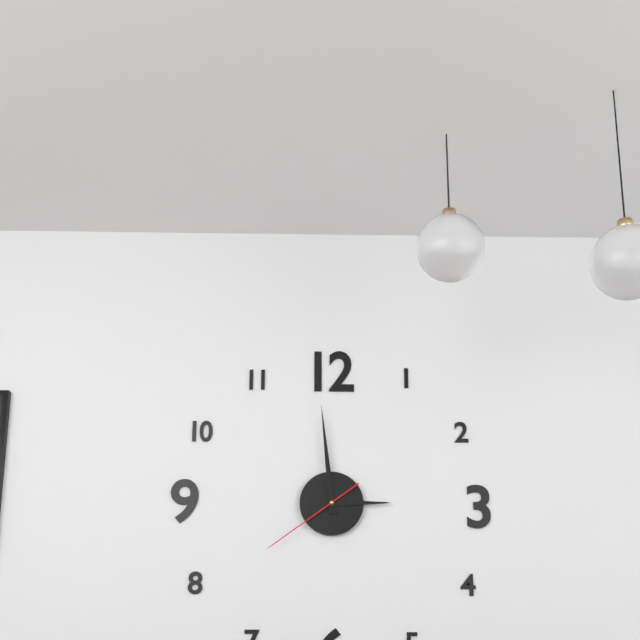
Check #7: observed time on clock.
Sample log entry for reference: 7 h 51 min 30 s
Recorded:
2 h 59 min 39 s
